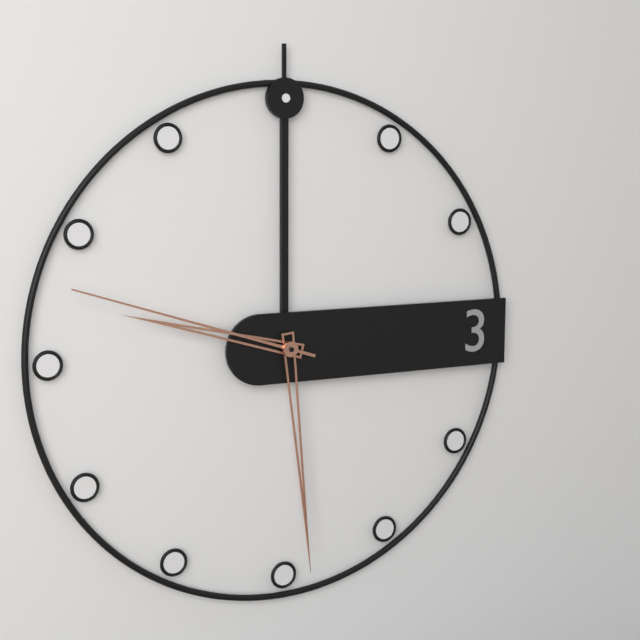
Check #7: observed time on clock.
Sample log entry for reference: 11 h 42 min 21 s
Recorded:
9 h 29 min 48 s
